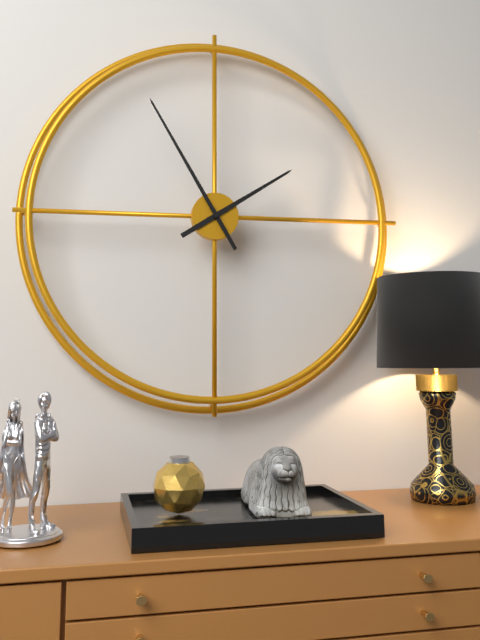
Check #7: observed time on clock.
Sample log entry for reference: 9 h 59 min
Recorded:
1 h 55 min
